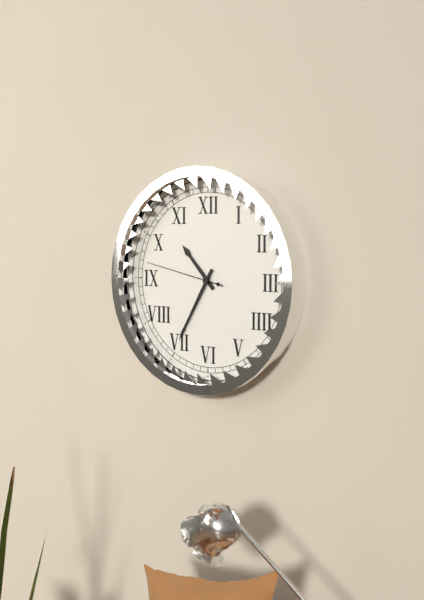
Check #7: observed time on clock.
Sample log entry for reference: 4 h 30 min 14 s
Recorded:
10 h 35 min 47 s
